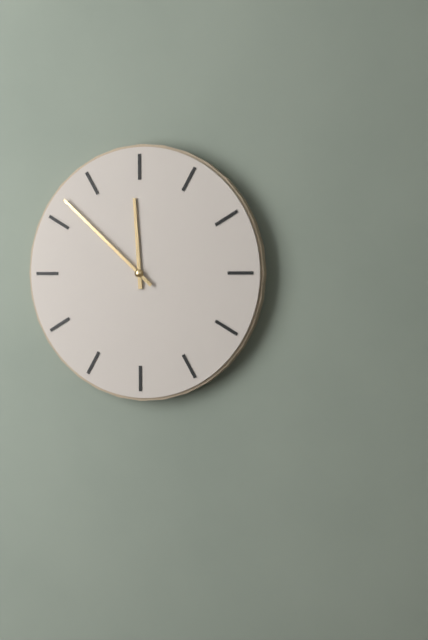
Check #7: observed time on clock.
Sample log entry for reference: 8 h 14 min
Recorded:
11 h 52 min
